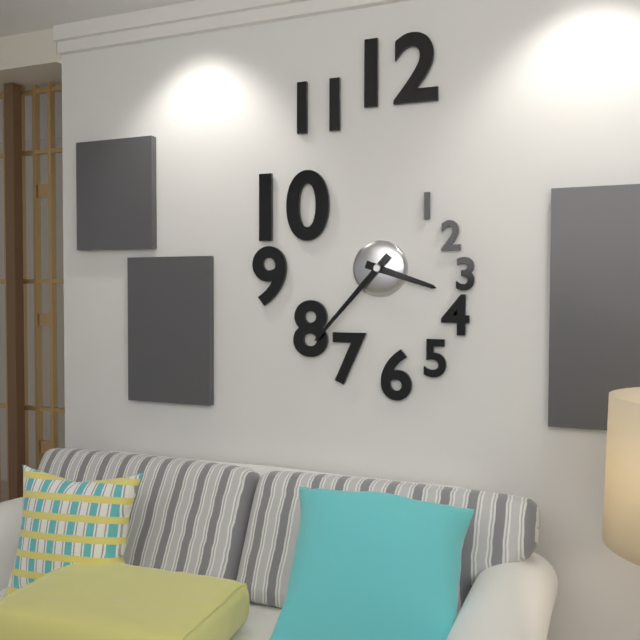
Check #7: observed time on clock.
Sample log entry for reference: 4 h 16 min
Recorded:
3 h 37 min
